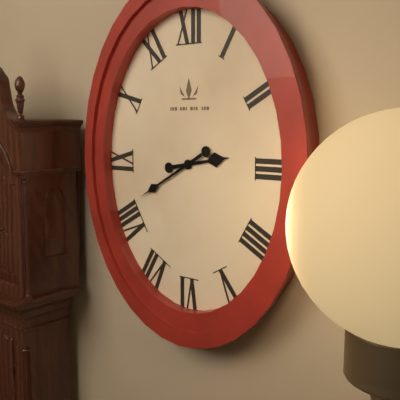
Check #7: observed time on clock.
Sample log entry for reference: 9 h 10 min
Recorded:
2 h 40 min
